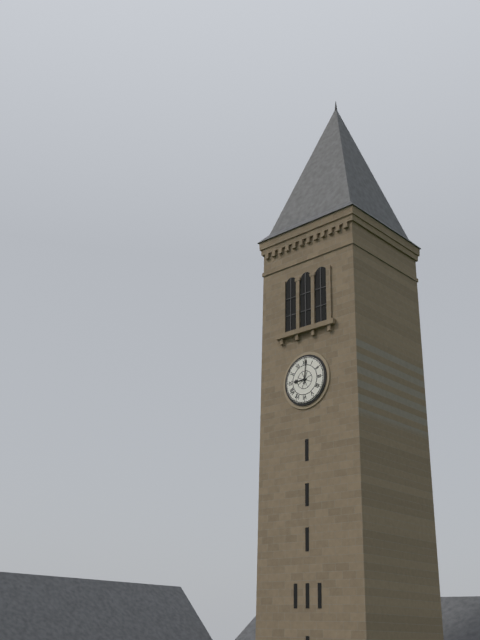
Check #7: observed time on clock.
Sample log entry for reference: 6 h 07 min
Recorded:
9 h 01 min
